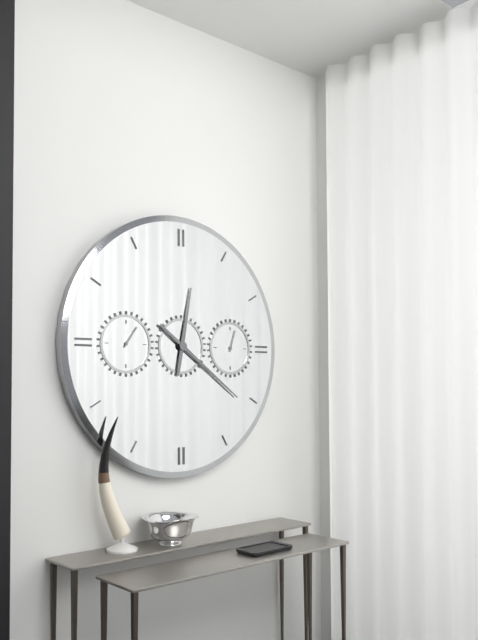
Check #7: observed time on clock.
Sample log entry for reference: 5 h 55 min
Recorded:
12 h 21 min
